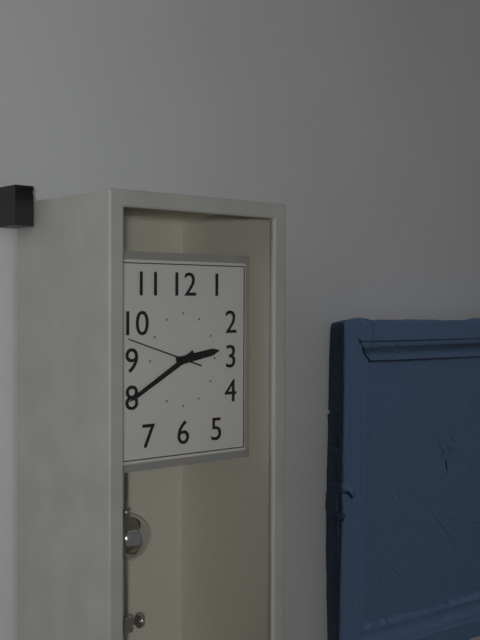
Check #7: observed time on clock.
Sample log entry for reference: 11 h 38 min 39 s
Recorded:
2 h 40 min 48 s
